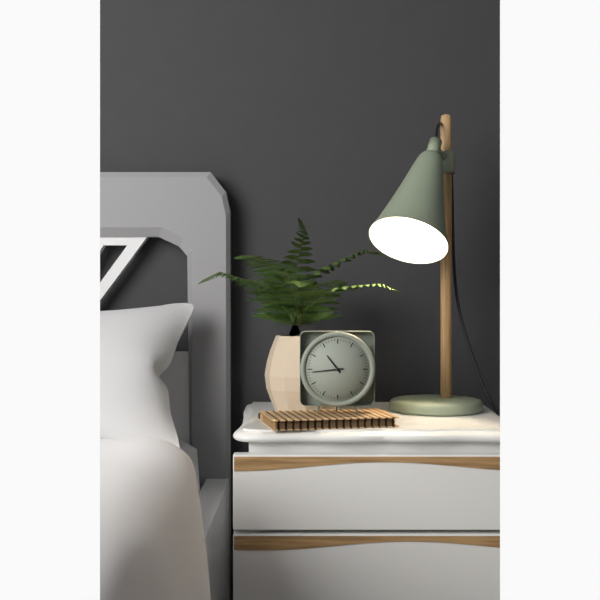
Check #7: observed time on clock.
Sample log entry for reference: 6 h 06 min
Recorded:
10 h 44 min
